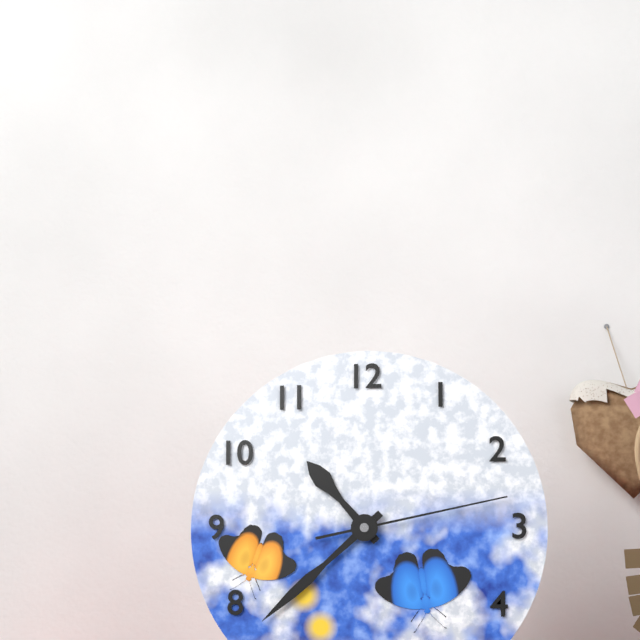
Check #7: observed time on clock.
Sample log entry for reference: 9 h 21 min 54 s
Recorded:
10 h 38 min 13 s
